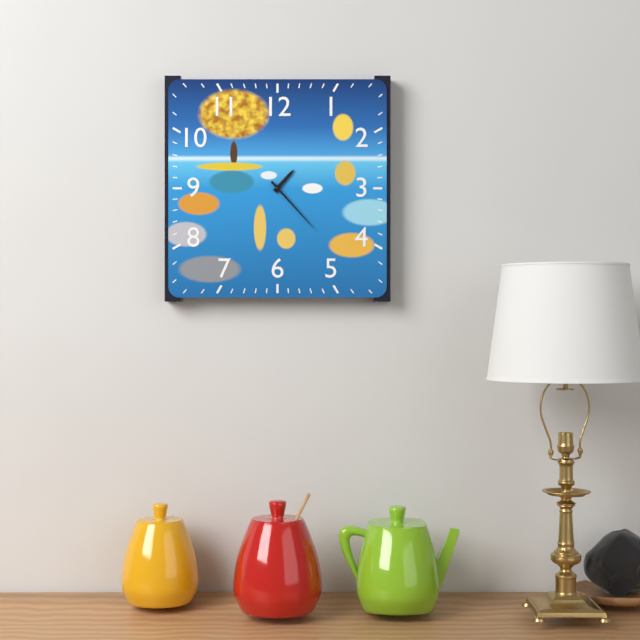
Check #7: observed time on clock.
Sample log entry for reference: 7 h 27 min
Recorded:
1 h 23 min
